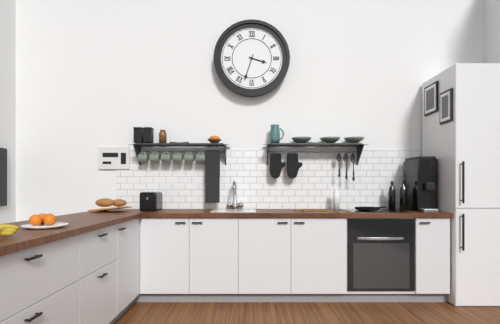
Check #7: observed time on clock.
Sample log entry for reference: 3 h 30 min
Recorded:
3 h 33 min
